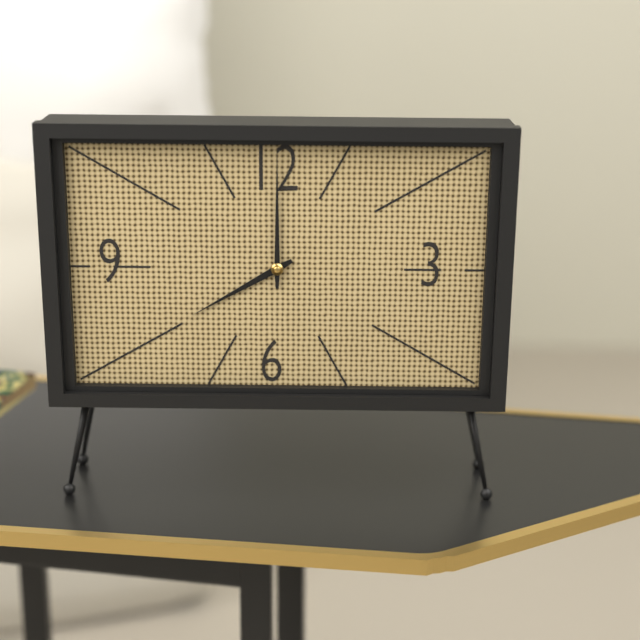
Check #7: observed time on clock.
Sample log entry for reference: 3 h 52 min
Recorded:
8 h 00 min
